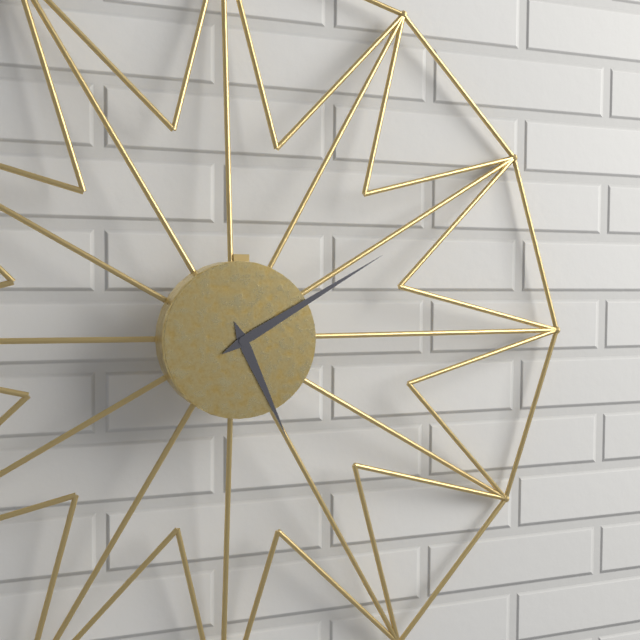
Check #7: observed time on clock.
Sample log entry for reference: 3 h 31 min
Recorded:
5 h 10 min
